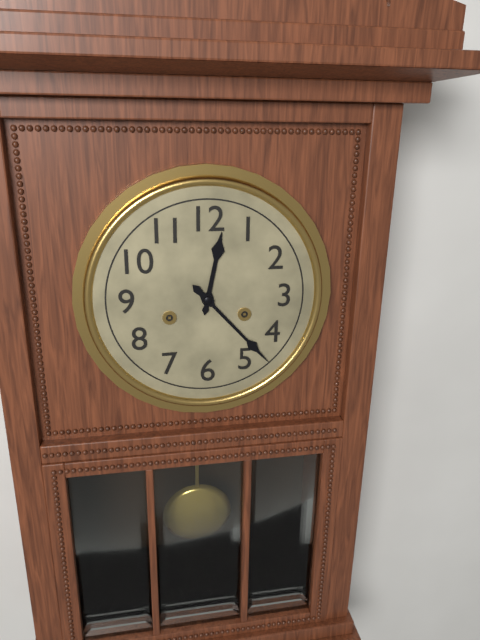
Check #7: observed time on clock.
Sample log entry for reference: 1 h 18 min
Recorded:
12 h 23 min
